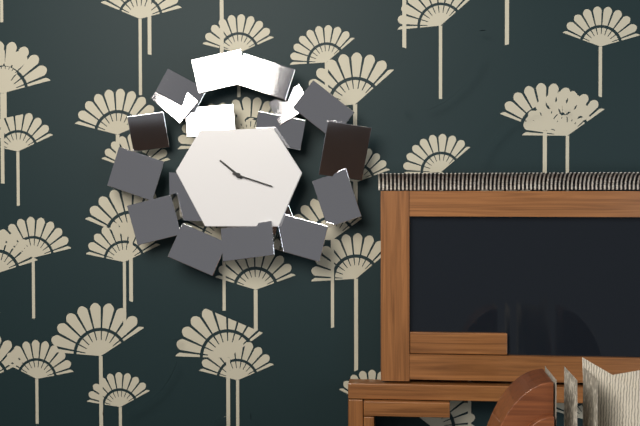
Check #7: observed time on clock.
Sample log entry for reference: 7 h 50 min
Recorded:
10 h 18 min
